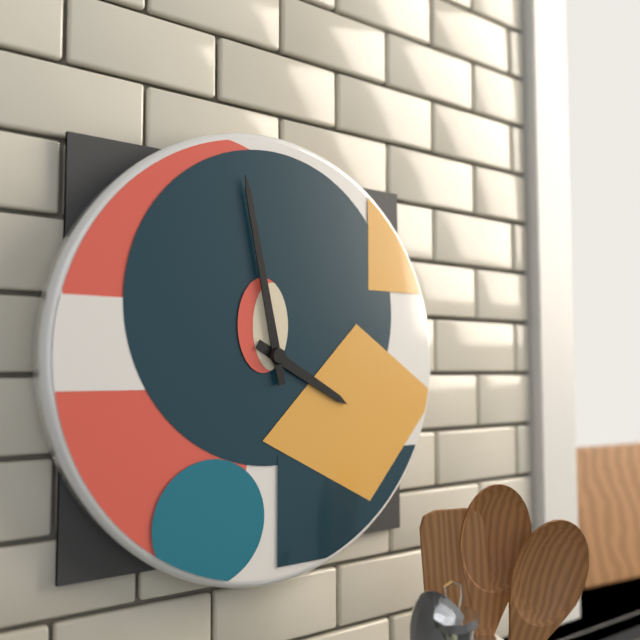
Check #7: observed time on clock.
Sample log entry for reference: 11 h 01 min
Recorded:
3 h 58 min
